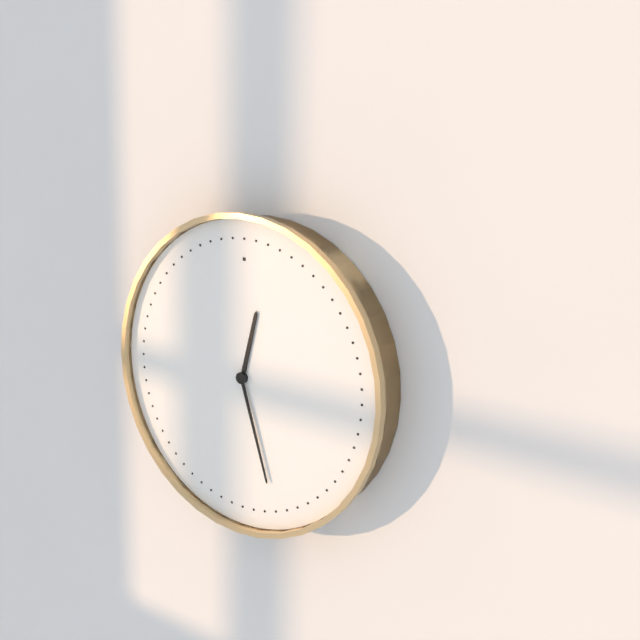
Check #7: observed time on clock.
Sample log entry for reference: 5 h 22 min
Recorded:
12 h 27 min
